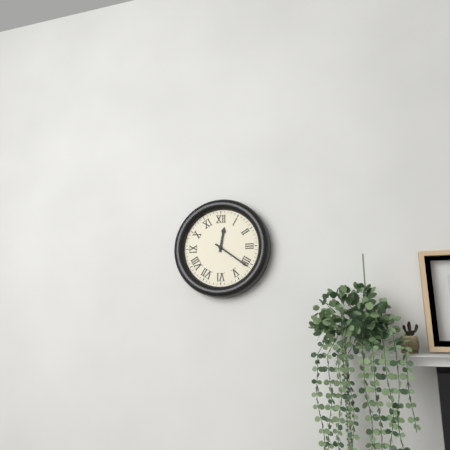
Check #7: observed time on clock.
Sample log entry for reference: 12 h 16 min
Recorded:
12 h 21 min
